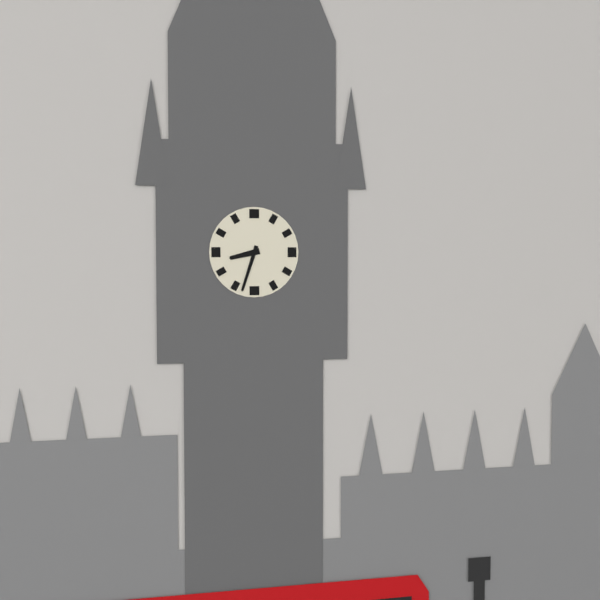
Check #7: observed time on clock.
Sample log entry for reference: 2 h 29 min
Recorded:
8 h 33 min
